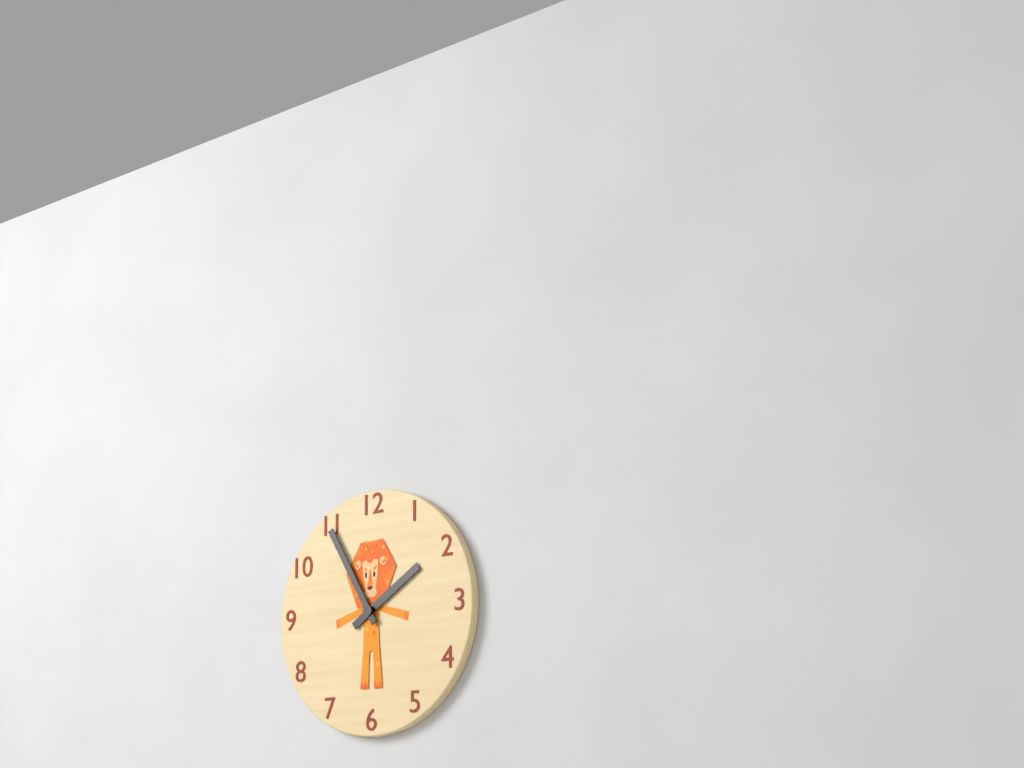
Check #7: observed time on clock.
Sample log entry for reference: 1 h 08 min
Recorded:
1 h 55 min
